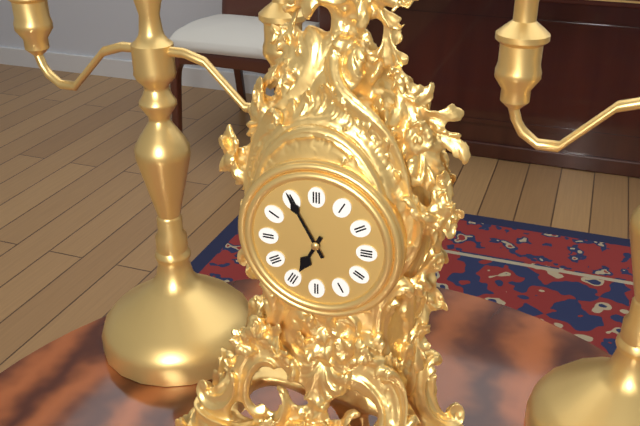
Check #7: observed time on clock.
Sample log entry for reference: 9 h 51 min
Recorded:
6 h 55 min
